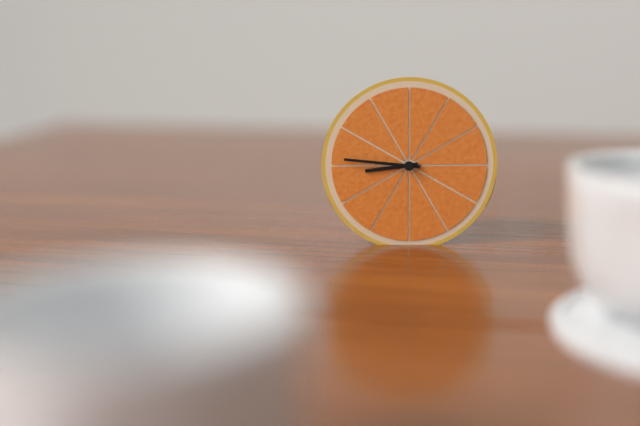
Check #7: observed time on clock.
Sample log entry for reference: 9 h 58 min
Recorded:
8 h 46 min
